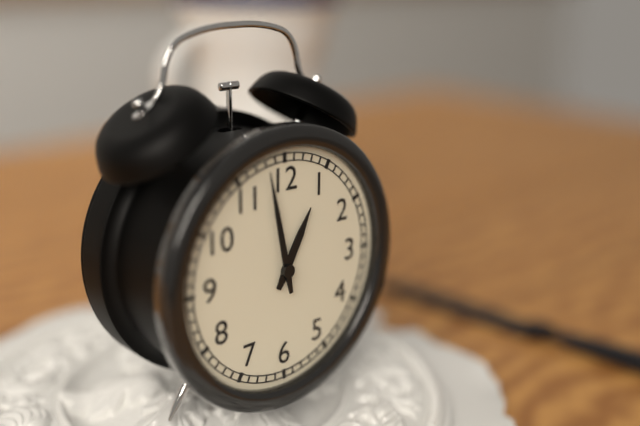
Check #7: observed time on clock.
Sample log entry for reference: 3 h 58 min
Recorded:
12 h 58 min
